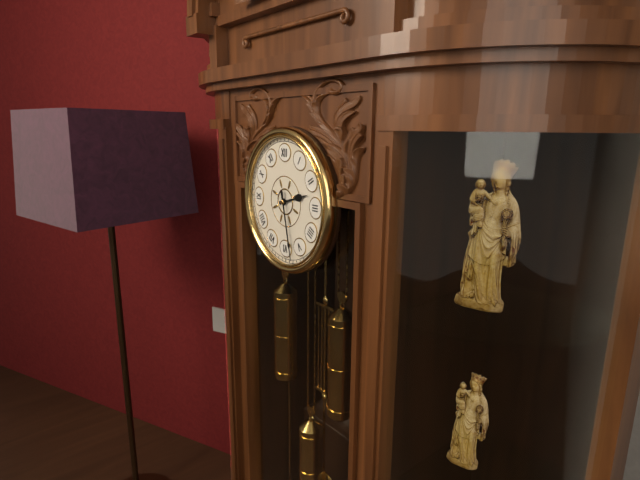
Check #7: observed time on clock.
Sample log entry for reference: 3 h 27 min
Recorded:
2 h 28 min
